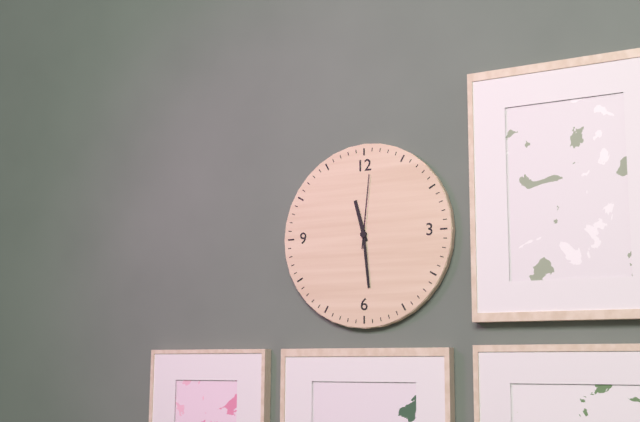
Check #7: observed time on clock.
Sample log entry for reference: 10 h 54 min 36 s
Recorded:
11 h 29 min 01 s
